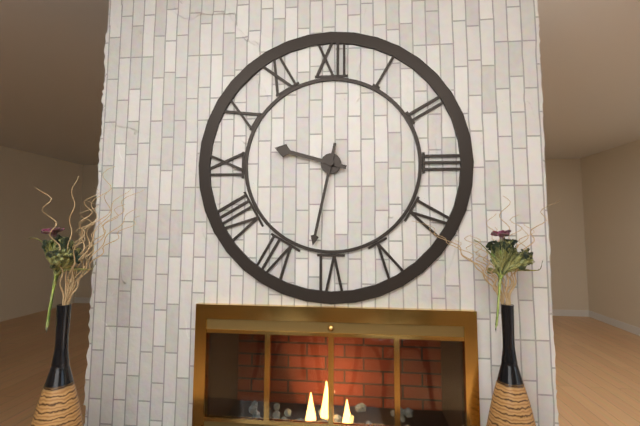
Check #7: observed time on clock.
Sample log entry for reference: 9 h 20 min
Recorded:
9 h 32 min
